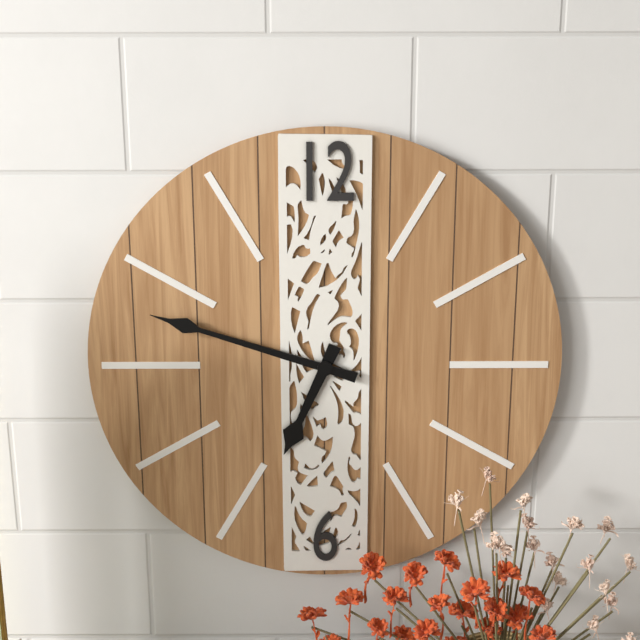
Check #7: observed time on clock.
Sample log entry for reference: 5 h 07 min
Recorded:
6 h 48 min
